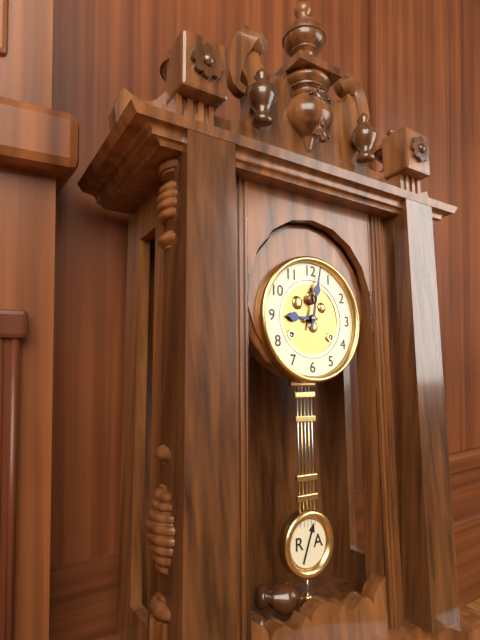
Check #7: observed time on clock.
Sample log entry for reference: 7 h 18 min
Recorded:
9 h 02 min
